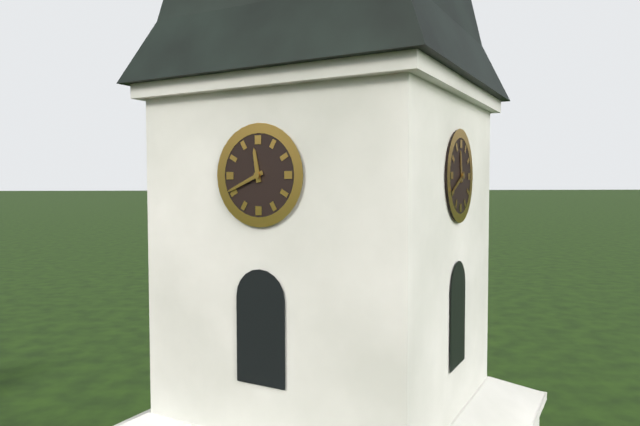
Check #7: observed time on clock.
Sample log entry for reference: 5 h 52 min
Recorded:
11 h 41 min
